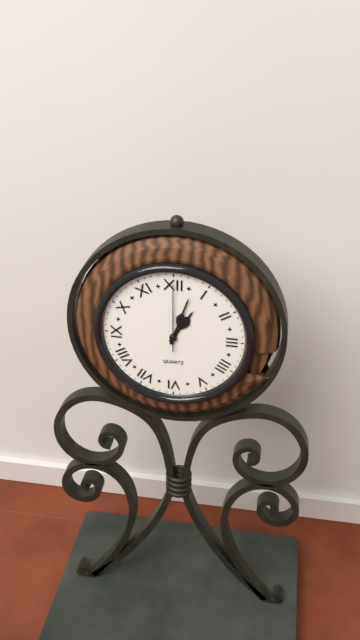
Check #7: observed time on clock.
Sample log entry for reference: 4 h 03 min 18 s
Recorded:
1 h 03 min 00 s
